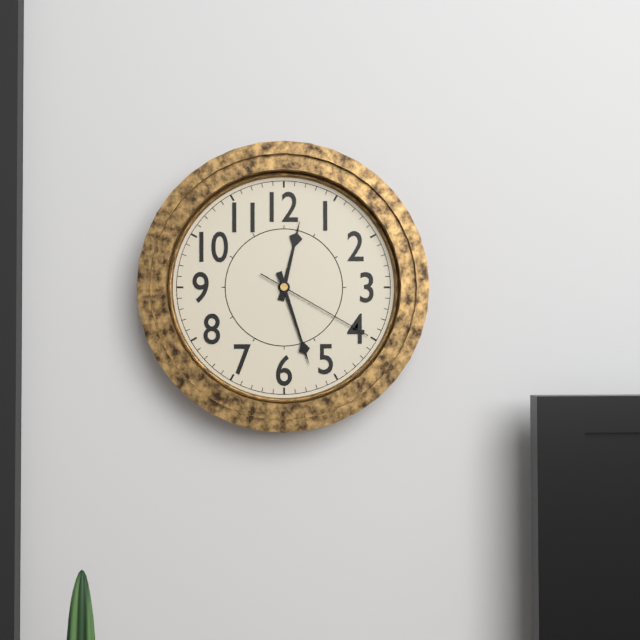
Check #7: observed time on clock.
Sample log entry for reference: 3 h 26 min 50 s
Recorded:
12 h 27 min 20 s
